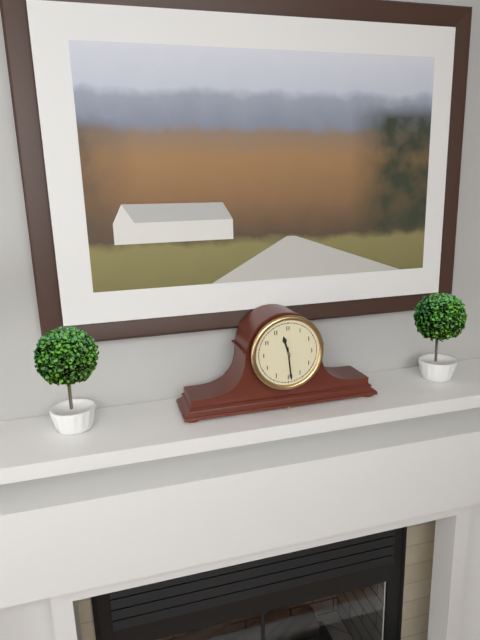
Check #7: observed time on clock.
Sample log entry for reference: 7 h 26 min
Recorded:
11 h 29 min
